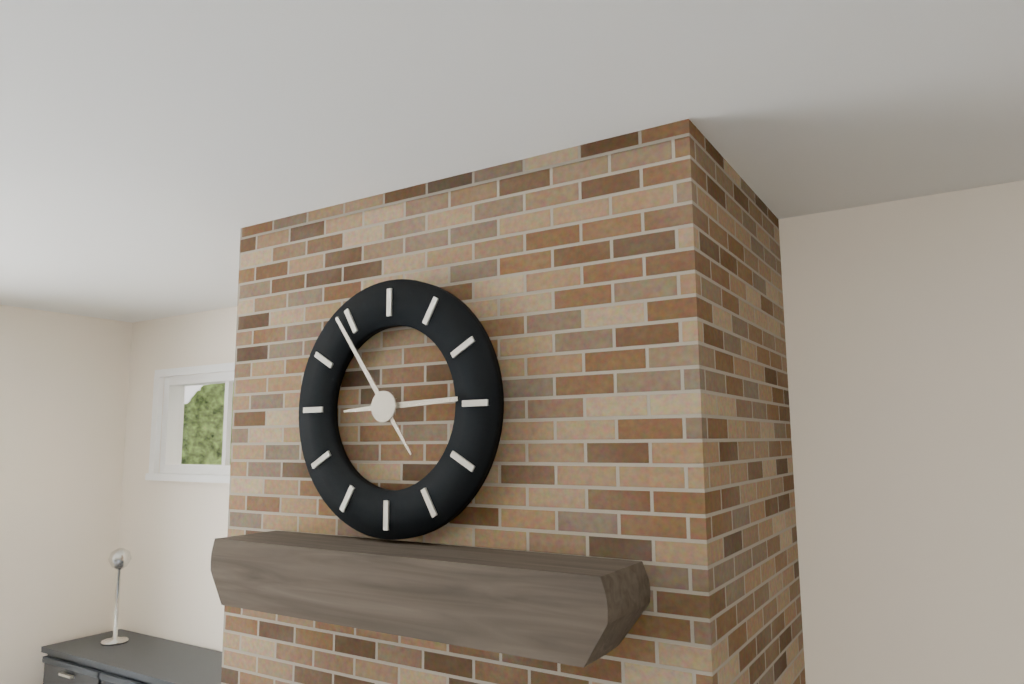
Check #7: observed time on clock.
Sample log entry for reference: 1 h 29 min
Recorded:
2 h 54 min
